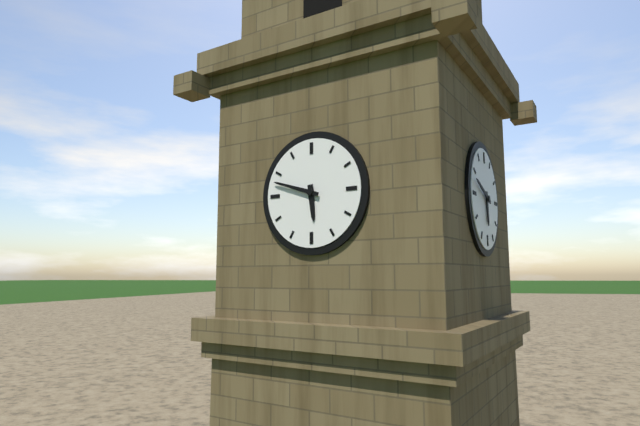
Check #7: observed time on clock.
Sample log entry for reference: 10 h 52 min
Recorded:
5 h 48 min
